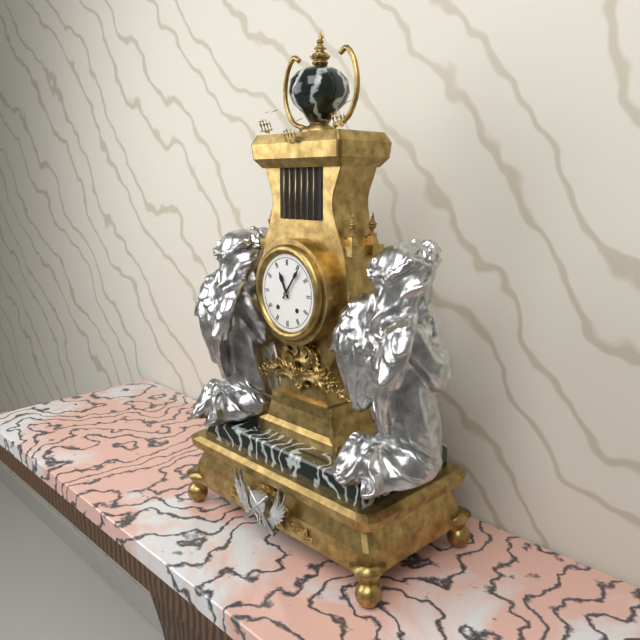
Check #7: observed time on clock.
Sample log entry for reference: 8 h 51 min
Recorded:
11 h 06 min
